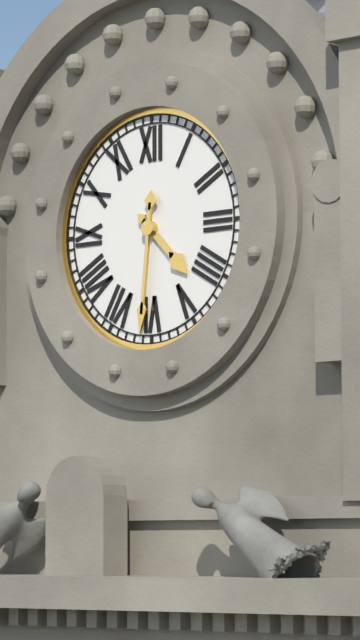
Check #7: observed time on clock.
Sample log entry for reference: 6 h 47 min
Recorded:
4 h 31 min
